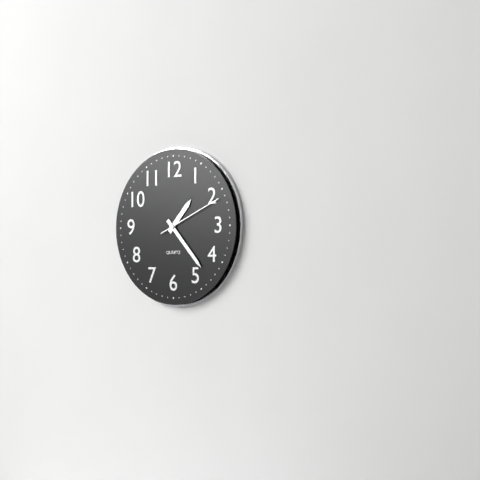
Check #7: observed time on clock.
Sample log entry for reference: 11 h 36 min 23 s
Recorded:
1 h 23 min 11 s
